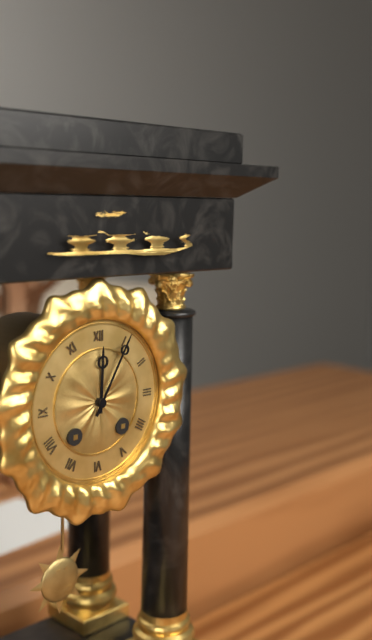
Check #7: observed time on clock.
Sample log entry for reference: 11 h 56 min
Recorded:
12 h 05 min
